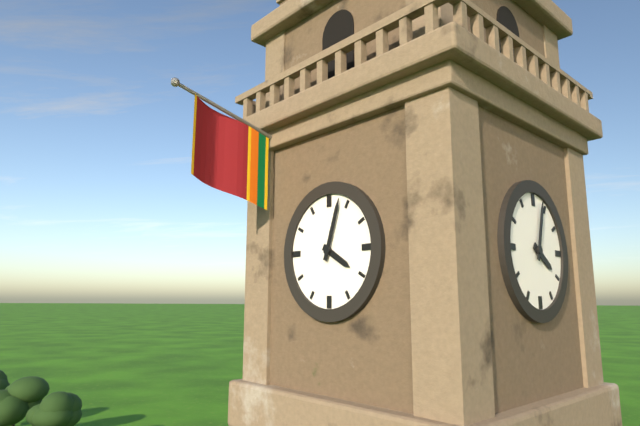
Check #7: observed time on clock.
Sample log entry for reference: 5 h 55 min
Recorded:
4 h 03 min
